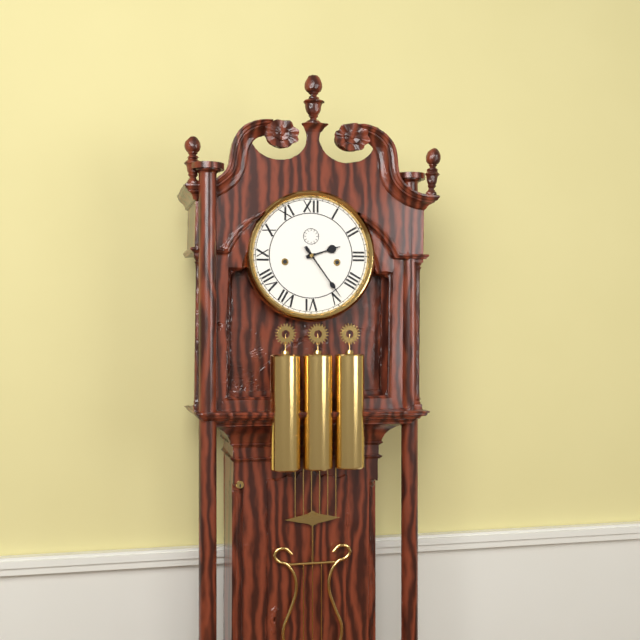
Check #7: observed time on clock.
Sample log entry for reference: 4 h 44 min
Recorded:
2 h 24 min
